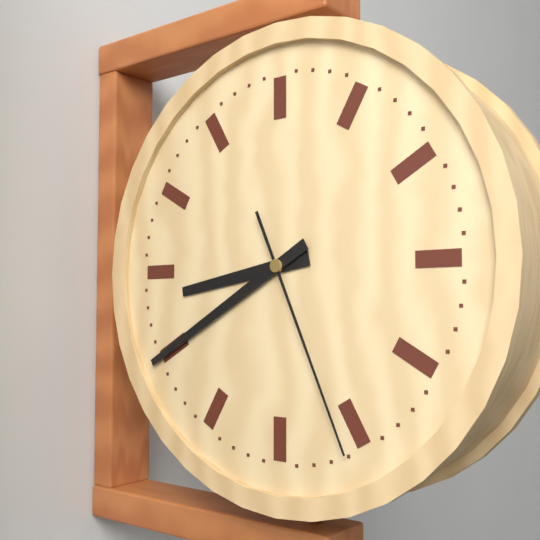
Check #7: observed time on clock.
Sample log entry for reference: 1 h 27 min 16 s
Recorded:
8 h 40 min 26 s
